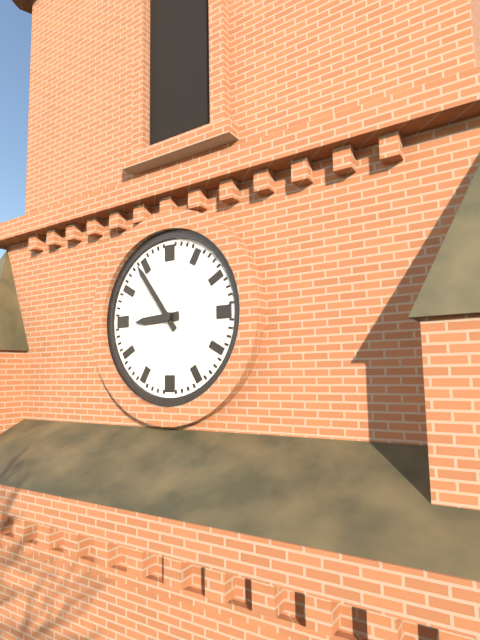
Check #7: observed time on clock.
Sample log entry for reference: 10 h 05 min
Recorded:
8 h 54 min
